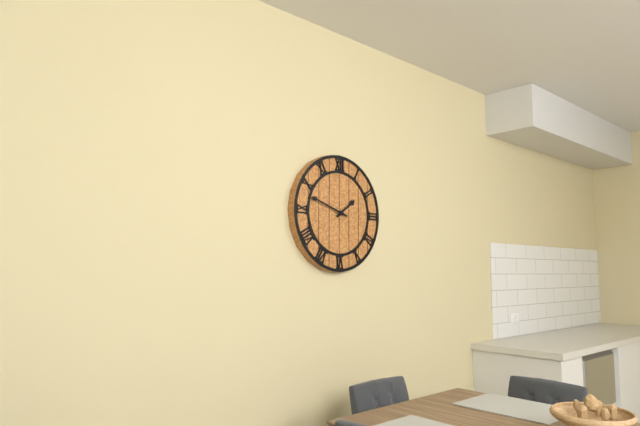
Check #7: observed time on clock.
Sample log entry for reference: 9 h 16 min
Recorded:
1 h 48 min
